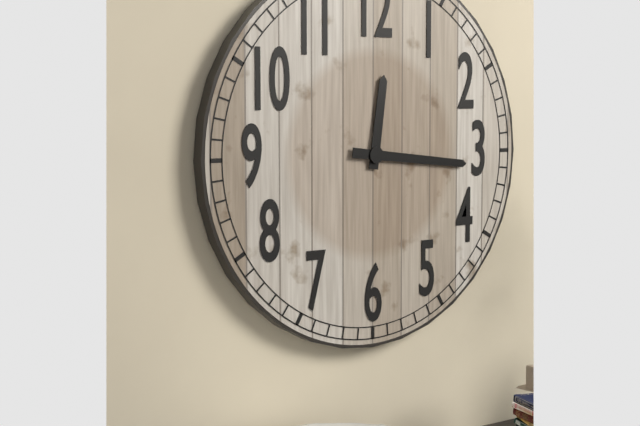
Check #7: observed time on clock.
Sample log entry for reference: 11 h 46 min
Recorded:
12 h 16 min
